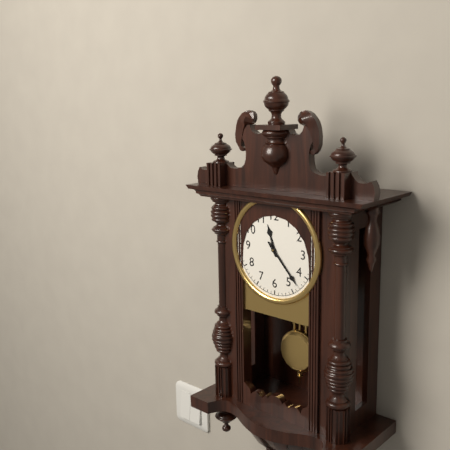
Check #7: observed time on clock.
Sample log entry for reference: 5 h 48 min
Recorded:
11 h 23 min
